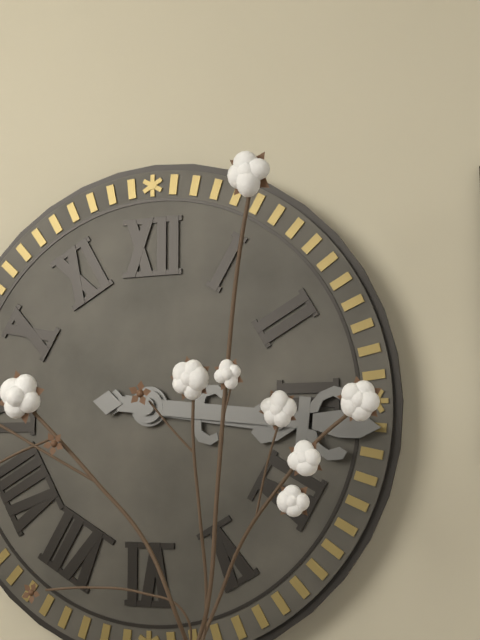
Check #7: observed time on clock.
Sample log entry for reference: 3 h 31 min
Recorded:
3 h 16 min
